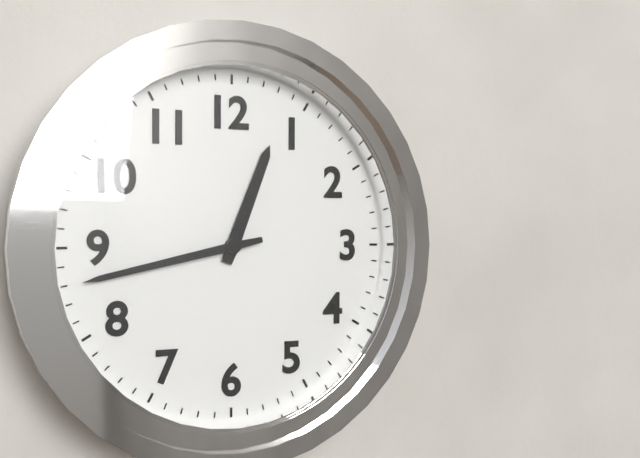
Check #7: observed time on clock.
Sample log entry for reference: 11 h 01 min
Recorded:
12 h 43 min
